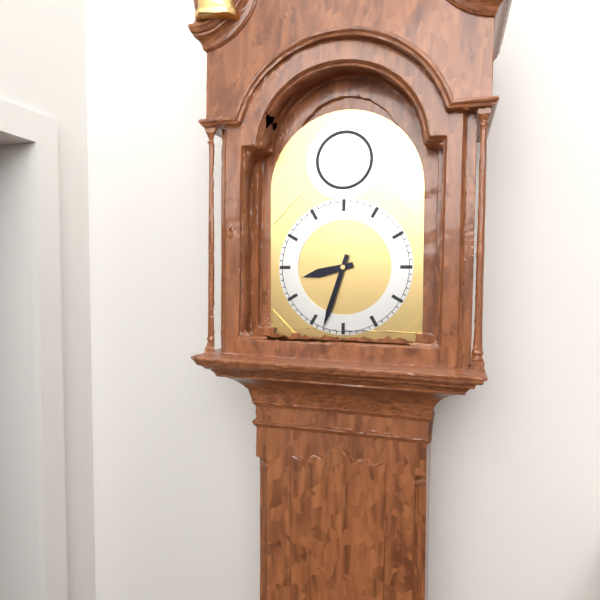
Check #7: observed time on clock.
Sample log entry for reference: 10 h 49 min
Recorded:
8 h 33 min
